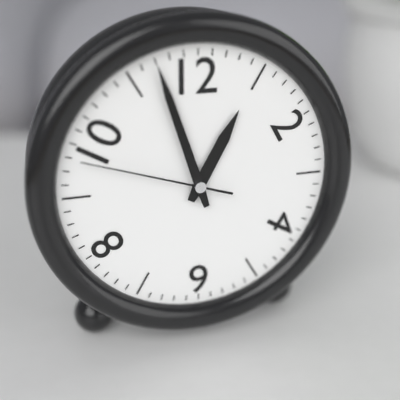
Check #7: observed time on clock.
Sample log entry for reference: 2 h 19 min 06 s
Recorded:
12 h 57 min 48 s
